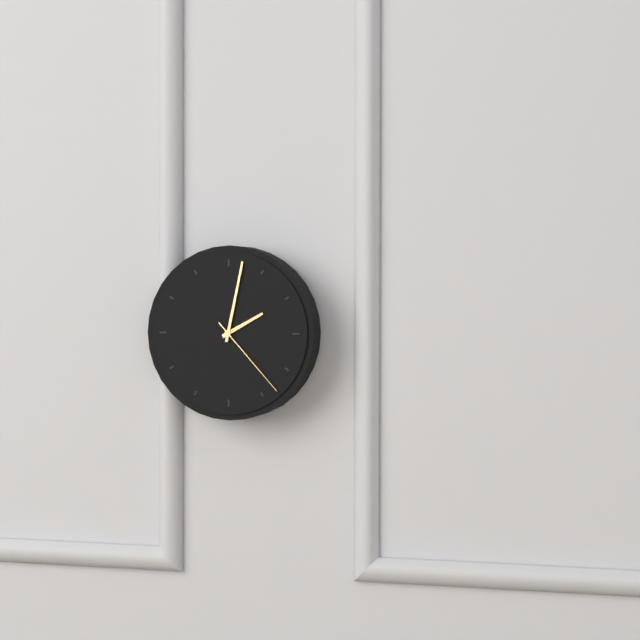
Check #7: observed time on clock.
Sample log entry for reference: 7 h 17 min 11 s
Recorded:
2 h 02 min 23 s
